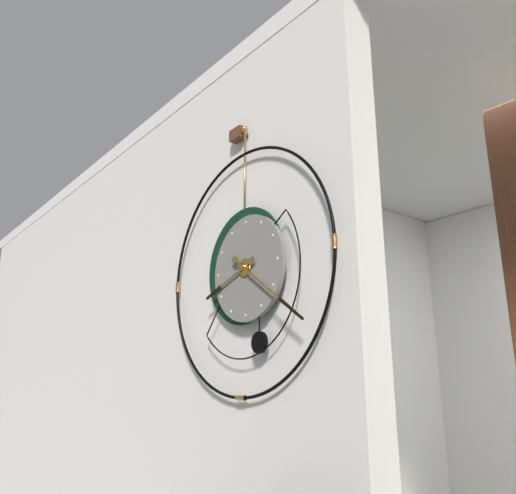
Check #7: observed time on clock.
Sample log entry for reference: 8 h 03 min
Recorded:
8 h 21 min
